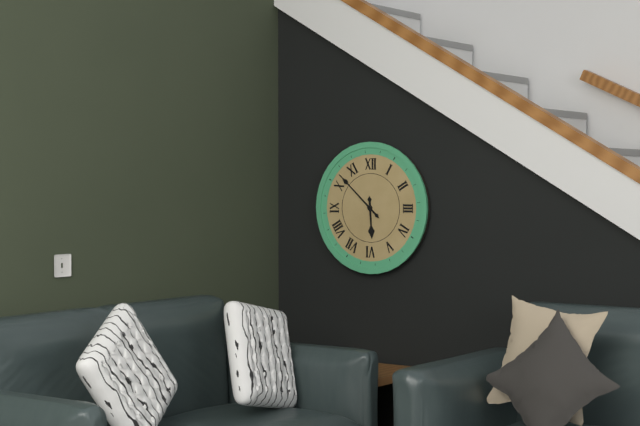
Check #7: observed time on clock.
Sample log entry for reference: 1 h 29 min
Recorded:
5 h 52 min
